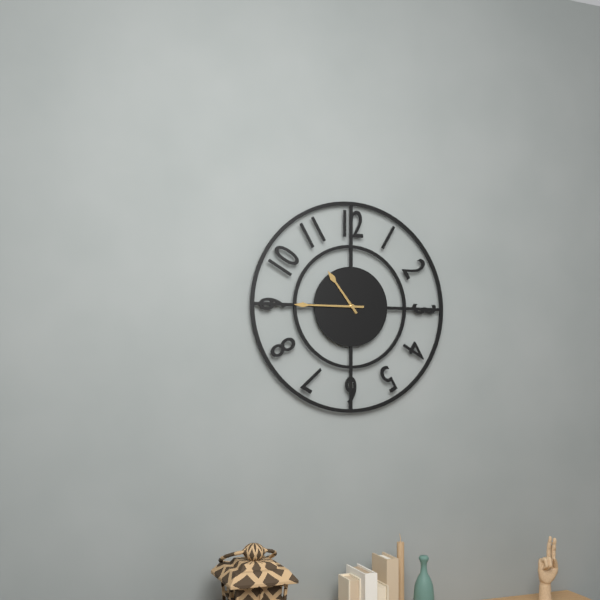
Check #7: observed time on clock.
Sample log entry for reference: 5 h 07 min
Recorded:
10 h 45 min
